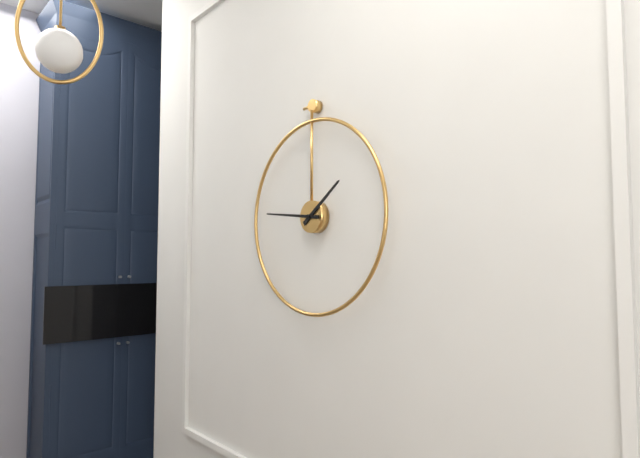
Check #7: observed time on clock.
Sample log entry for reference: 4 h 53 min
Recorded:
1 h 46 min
